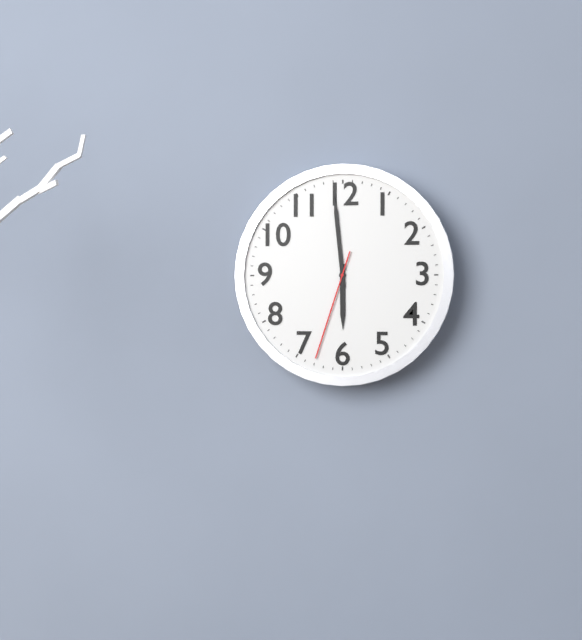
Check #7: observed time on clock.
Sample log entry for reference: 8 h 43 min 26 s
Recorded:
5 h 59 min 33 s
